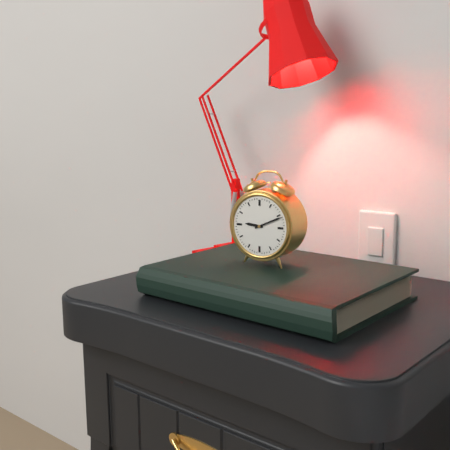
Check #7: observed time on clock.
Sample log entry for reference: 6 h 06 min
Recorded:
9 h 11 min
